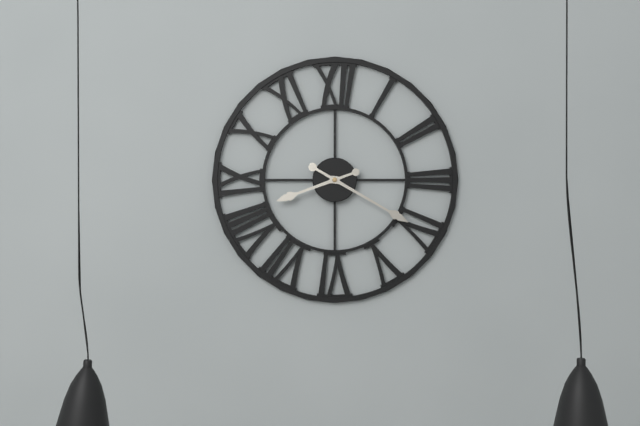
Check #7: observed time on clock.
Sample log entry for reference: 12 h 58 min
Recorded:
8 h 20 min
